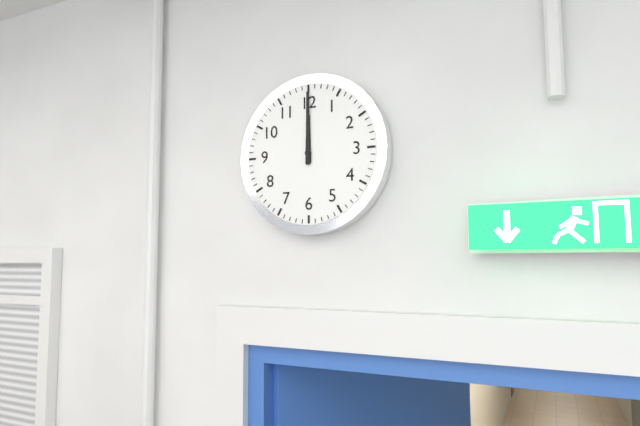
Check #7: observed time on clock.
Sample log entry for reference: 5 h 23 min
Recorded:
12 h 00 min
